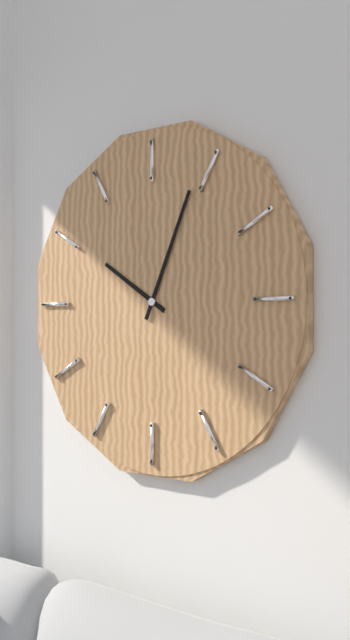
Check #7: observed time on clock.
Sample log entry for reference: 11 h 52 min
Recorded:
10 h 04 min
